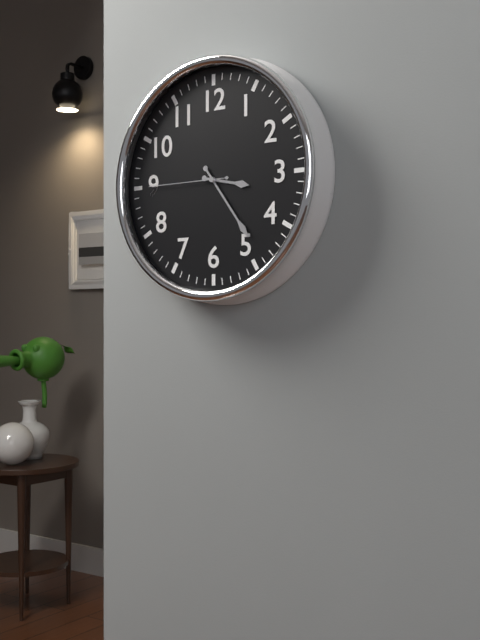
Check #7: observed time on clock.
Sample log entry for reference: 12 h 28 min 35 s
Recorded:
3 h 24 min 45 s
